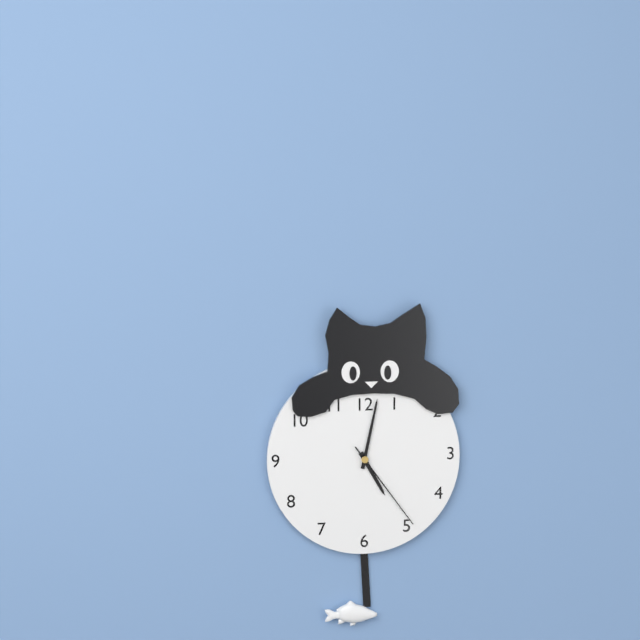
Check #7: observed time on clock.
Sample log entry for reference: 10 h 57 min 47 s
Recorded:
5 h 02 min 24 s
